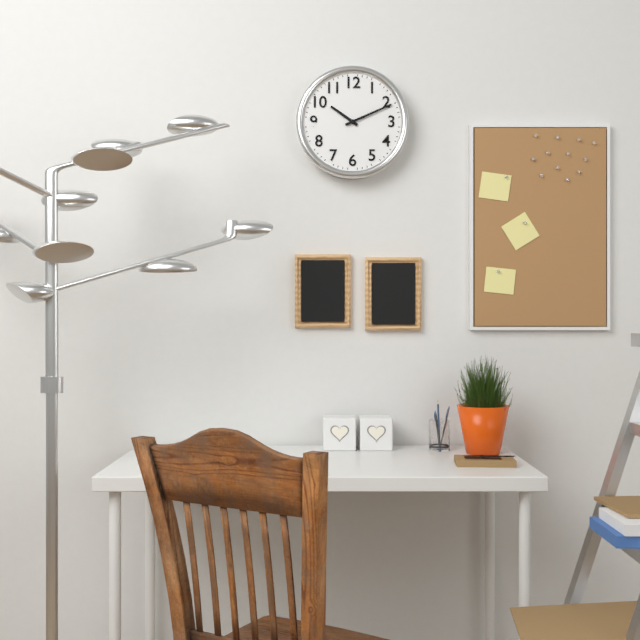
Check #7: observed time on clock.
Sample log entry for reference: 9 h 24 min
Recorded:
10 h 11 min
